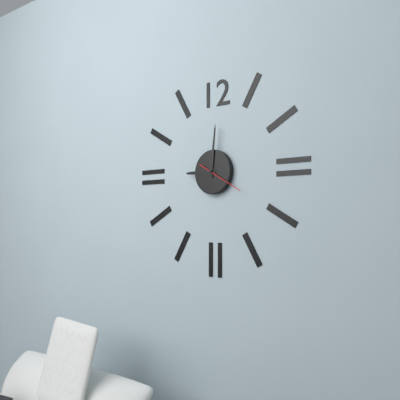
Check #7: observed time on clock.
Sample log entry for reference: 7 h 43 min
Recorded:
9 h 01 min
